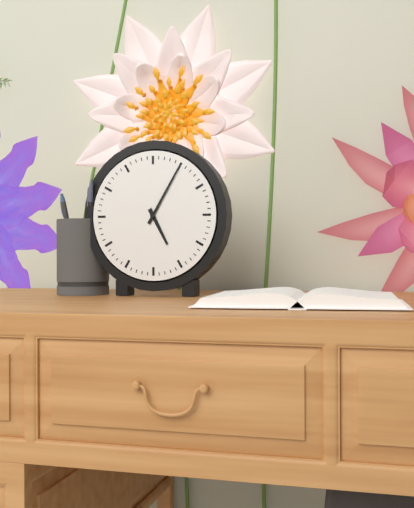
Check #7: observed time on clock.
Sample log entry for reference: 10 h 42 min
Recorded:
5 h 05 min
